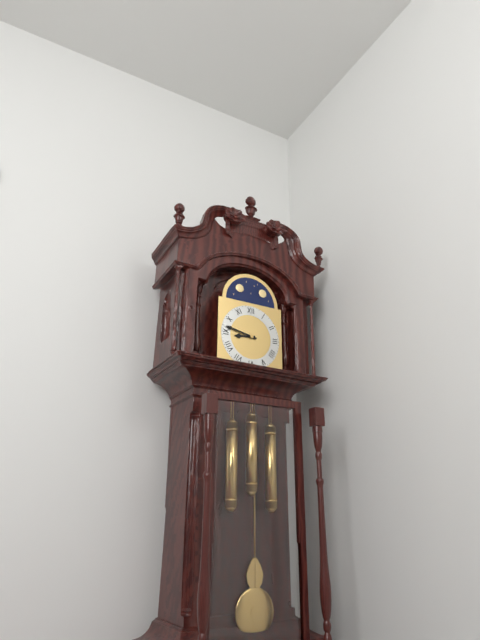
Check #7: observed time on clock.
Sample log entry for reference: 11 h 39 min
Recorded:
8 h 47 min
